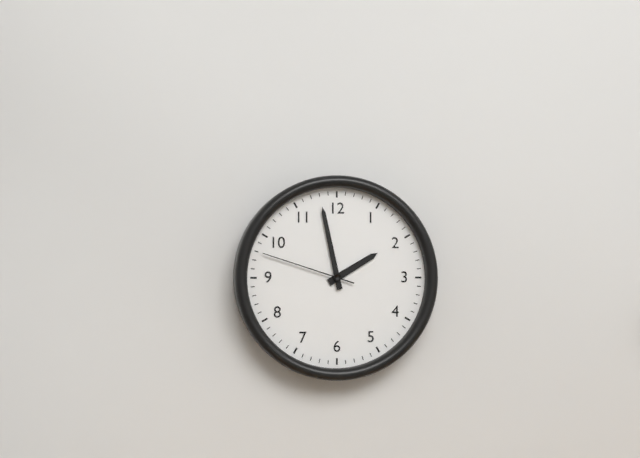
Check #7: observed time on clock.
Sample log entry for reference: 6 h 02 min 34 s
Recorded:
1 h 58 min 48 s
